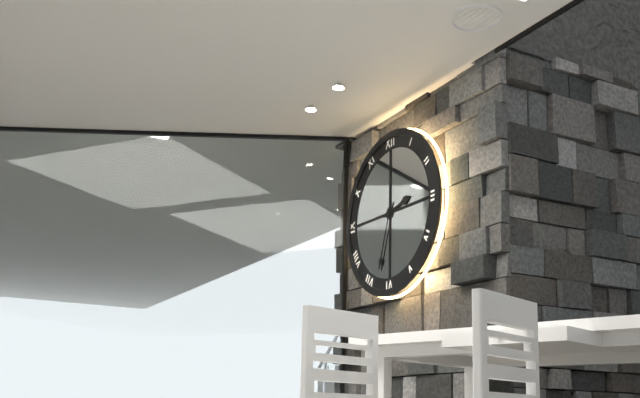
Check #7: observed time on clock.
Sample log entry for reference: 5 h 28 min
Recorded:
2 h 33 min
